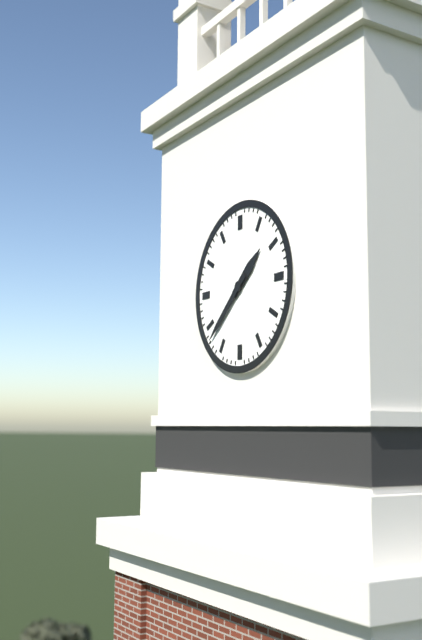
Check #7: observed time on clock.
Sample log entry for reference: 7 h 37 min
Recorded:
1 h 38 min
